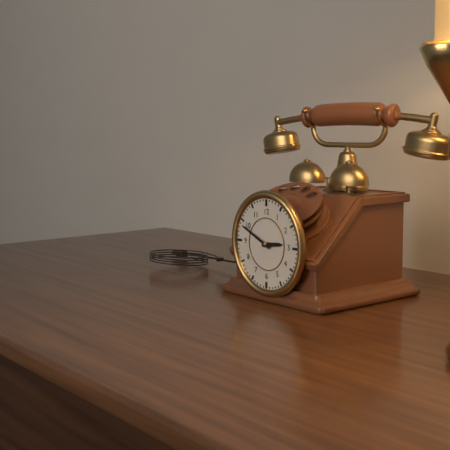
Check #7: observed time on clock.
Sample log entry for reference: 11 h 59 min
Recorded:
2 h 49 min
